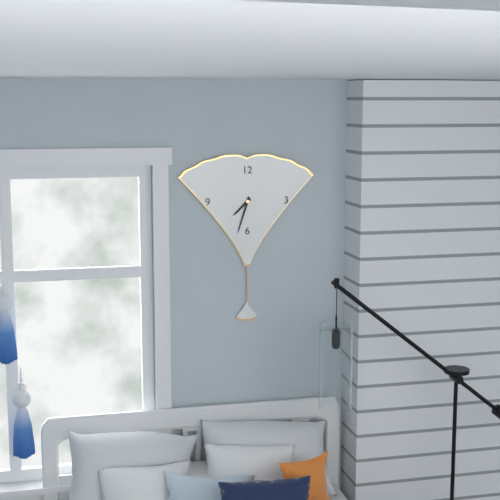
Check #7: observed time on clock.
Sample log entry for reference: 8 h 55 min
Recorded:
7 h 33 min
